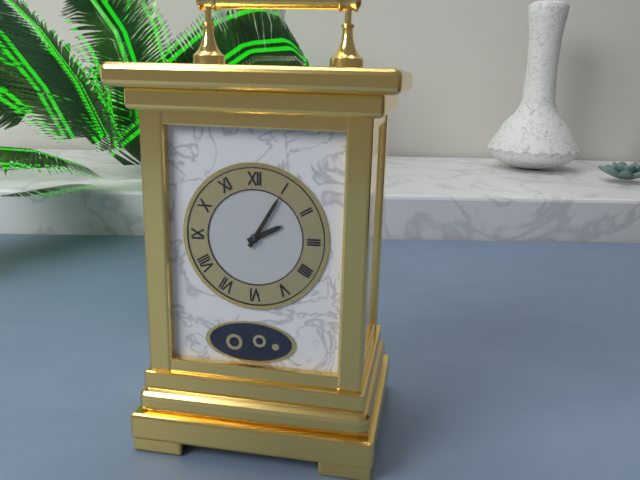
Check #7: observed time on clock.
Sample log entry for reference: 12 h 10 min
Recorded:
2 h 05 min
